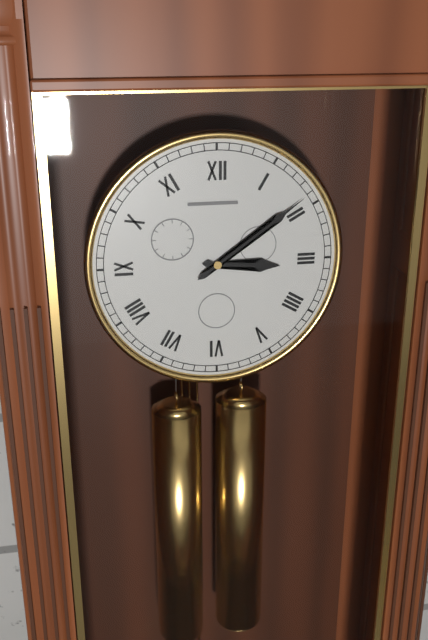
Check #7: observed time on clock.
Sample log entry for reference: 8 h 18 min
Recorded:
3 h 09 min
